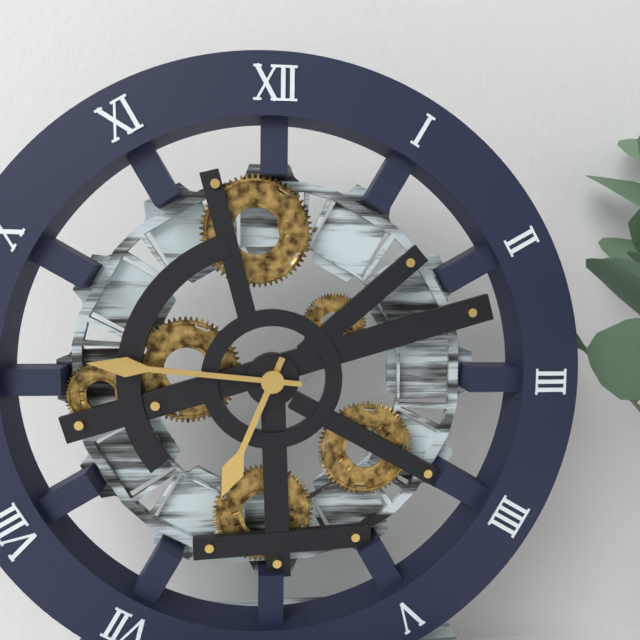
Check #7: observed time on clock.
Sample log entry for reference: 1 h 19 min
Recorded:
6 h 46 min
